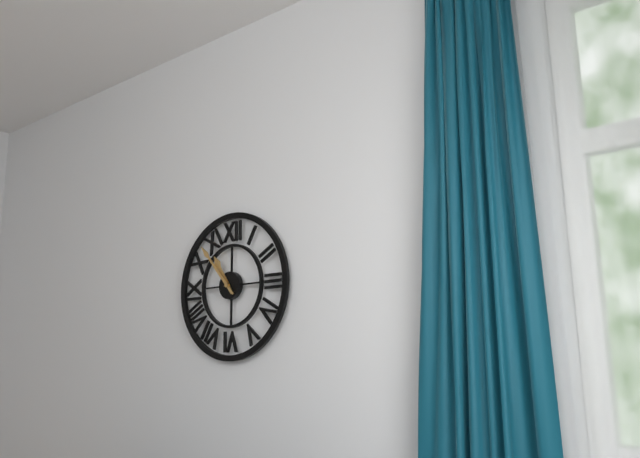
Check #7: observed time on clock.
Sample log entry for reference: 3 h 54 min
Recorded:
10 h 53 min
